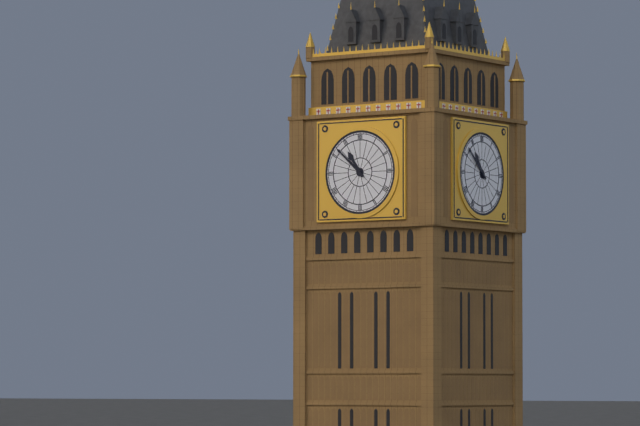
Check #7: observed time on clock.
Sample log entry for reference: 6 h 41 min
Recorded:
10 h 52 min
